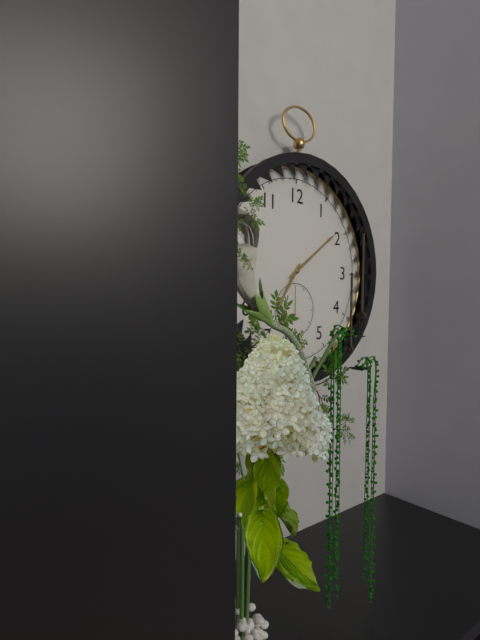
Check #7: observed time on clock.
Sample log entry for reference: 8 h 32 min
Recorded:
7 h 09 min
